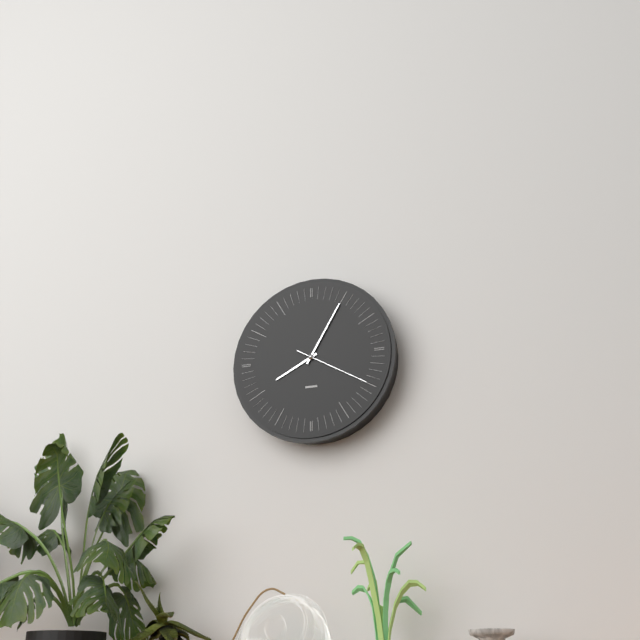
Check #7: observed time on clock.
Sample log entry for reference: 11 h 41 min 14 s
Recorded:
8 h 05 min 20 s
